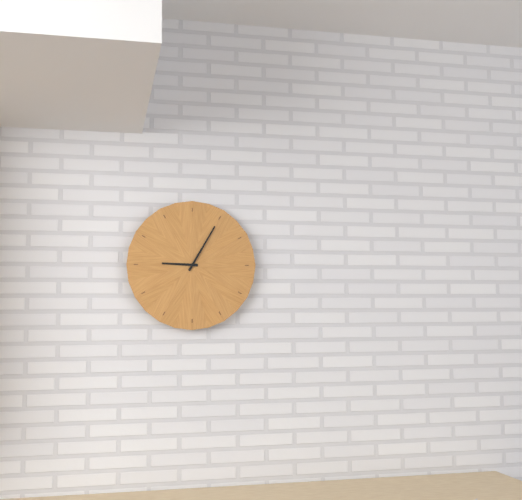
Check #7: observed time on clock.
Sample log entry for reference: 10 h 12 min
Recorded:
9 h 05 min
